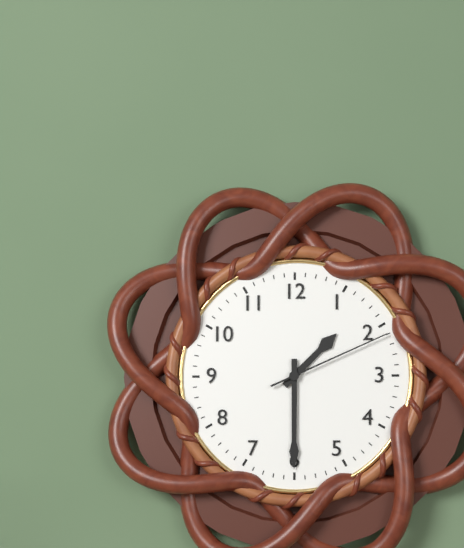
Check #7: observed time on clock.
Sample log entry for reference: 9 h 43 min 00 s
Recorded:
1 h 30 min 11 s
